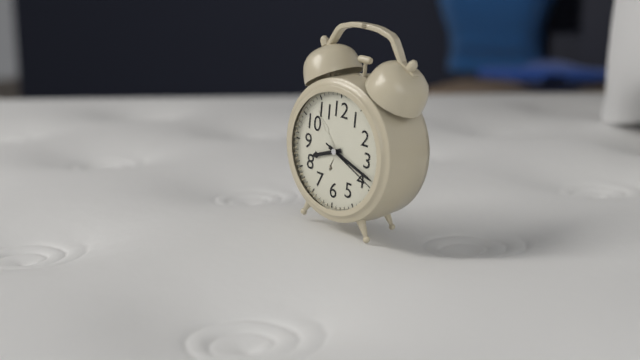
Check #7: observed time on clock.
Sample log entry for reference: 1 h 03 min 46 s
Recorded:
8 h 18 min 19 s
